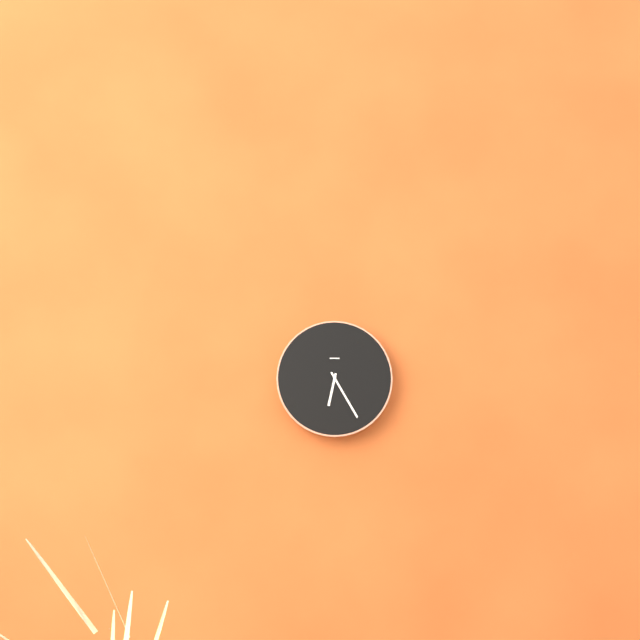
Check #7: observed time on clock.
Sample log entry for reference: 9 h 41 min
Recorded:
6 h 25 min
